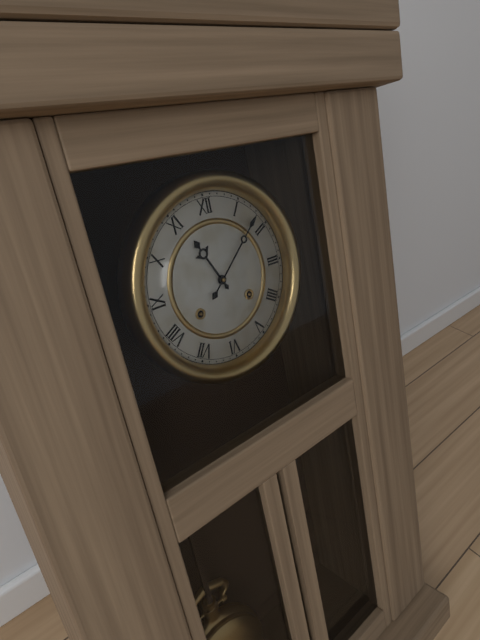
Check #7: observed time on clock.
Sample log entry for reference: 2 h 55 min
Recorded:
11 h 08 min
